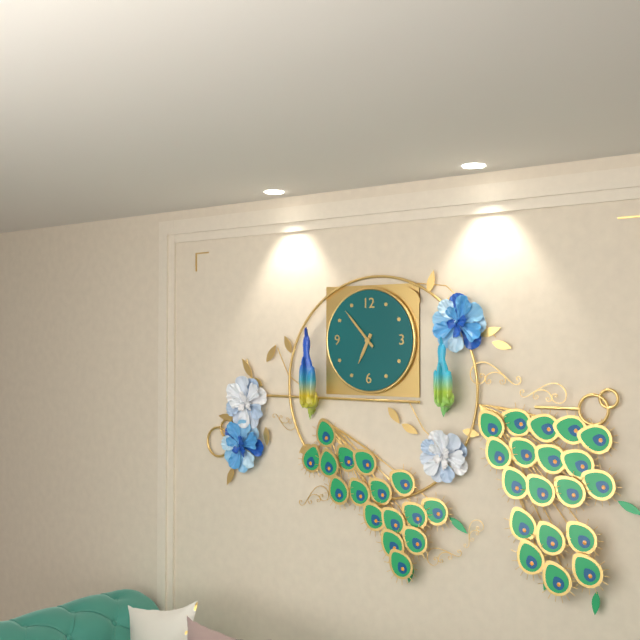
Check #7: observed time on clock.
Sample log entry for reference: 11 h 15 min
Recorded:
6 h 53 min
